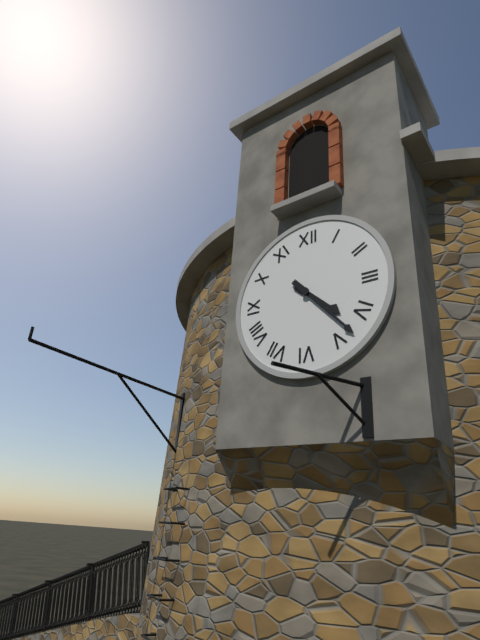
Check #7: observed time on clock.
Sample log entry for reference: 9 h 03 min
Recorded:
4 h 23 min
